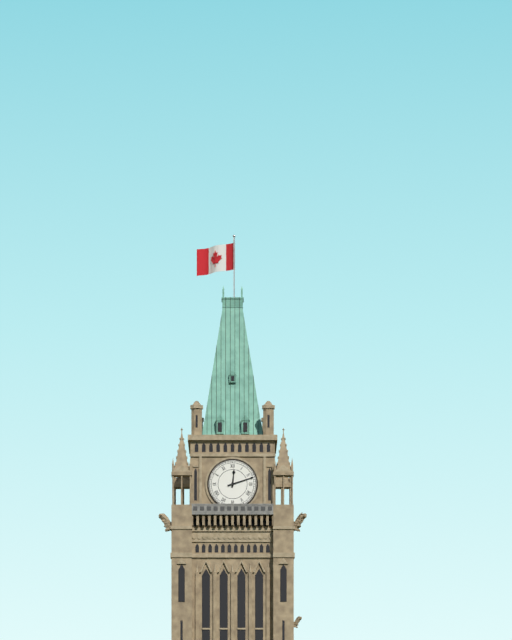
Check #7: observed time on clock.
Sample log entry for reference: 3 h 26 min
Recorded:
12 h 12 min
